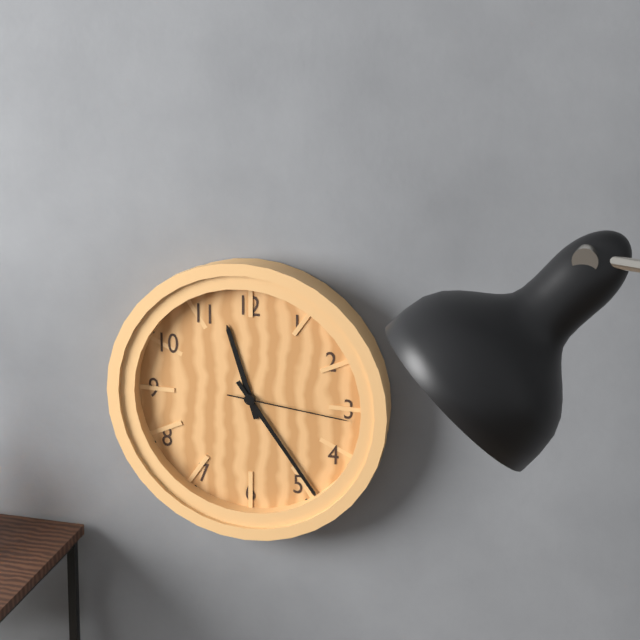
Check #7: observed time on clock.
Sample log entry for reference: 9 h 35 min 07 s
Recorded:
11 h 24 min 16 s
